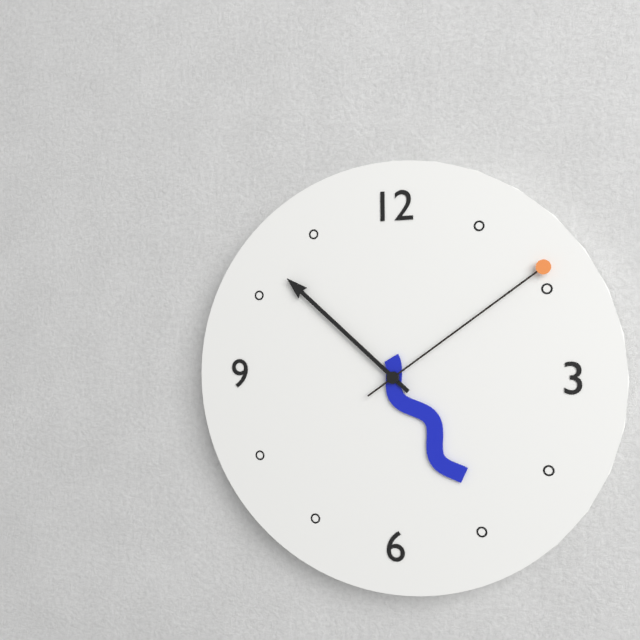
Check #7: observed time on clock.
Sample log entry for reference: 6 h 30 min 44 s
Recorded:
4 h 52 min 09 s
